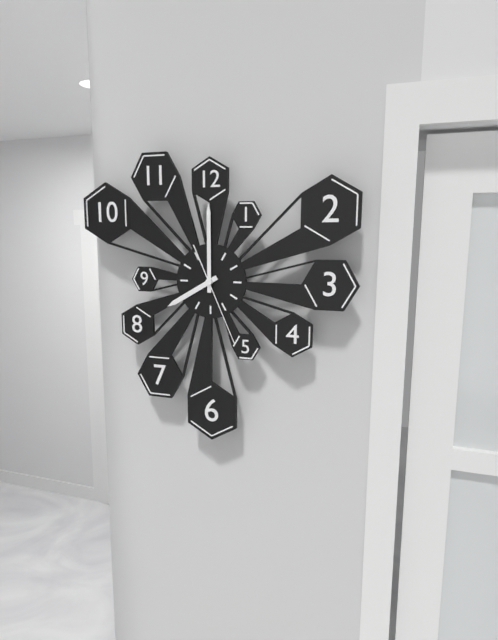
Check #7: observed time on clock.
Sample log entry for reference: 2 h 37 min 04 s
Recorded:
8 h 00 min 26 s
